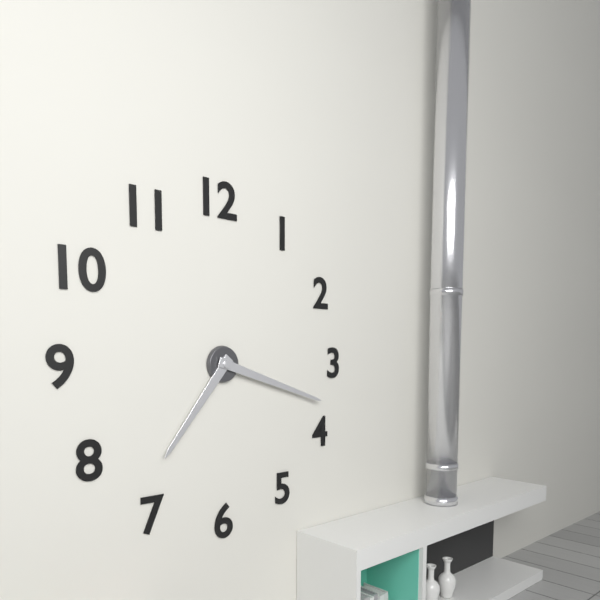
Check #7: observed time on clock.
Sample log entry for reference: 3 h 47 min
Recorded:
7 h 18 min
